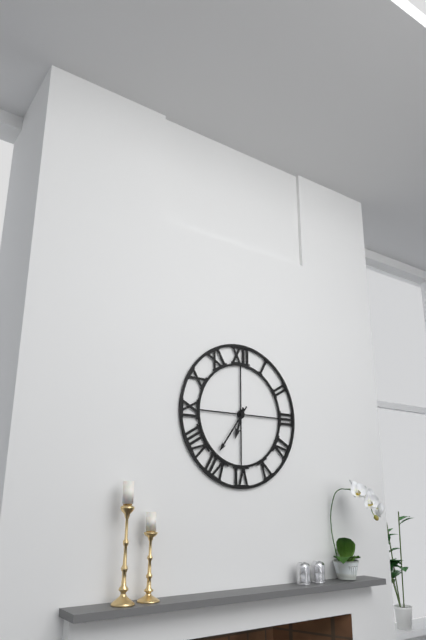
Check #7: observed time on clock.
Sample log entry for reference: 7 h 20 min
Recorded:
6 h 36 min
